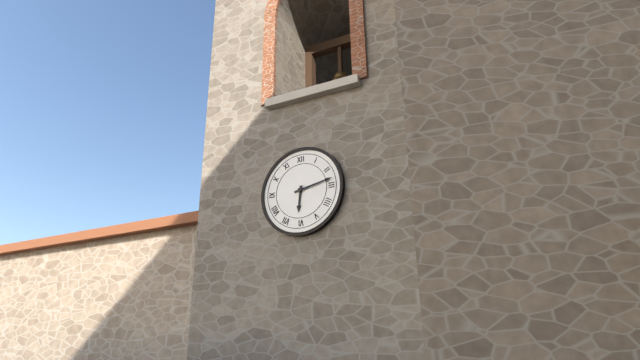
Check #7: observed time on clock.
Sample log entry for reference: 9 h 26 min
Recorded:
6 h 13 min
